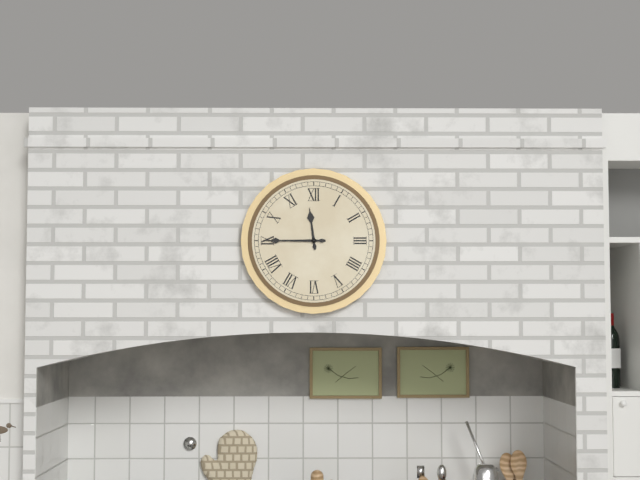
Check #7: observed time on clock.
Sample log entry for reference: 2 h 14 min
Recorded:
11 h 45 min
